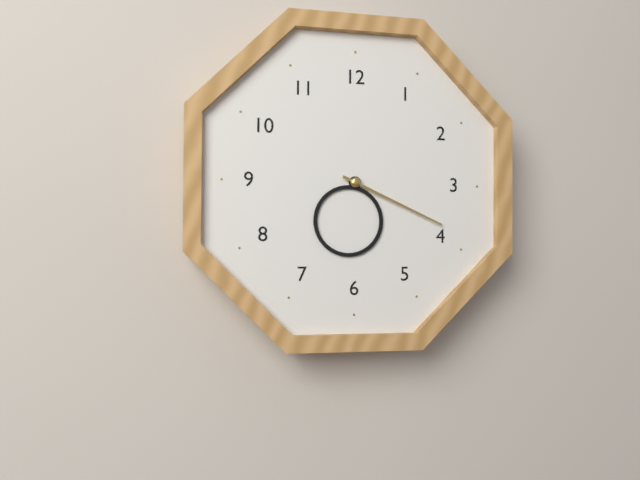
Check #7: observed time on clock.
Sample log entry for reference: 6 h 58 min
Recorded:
6 h 19 min
